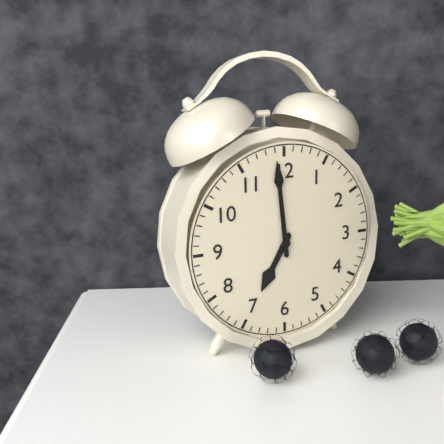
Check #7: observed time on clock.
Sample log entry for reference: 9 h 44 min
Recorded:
6 h 59 min
